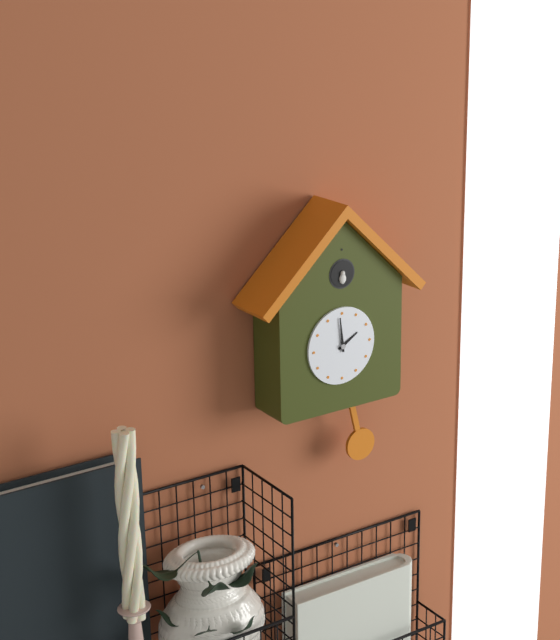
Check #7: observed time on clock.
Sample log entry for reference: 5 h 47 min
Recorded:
1 h 59 min
